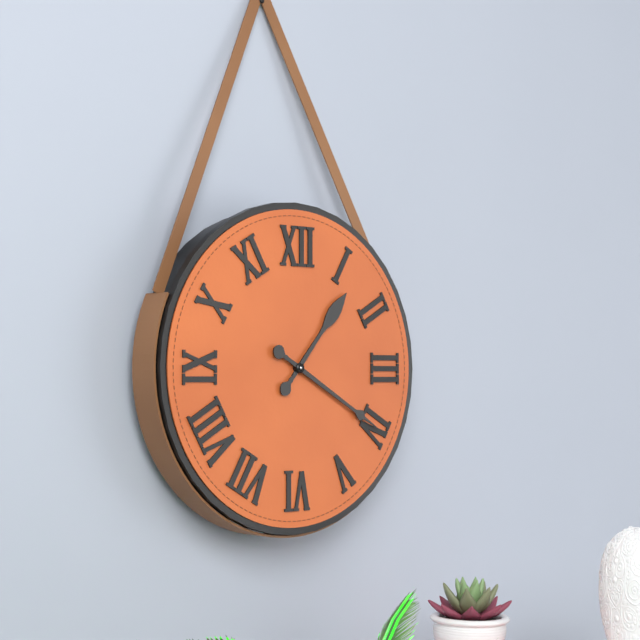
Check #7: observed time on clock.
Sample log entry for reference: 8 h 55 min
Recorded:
1 h 20 min
